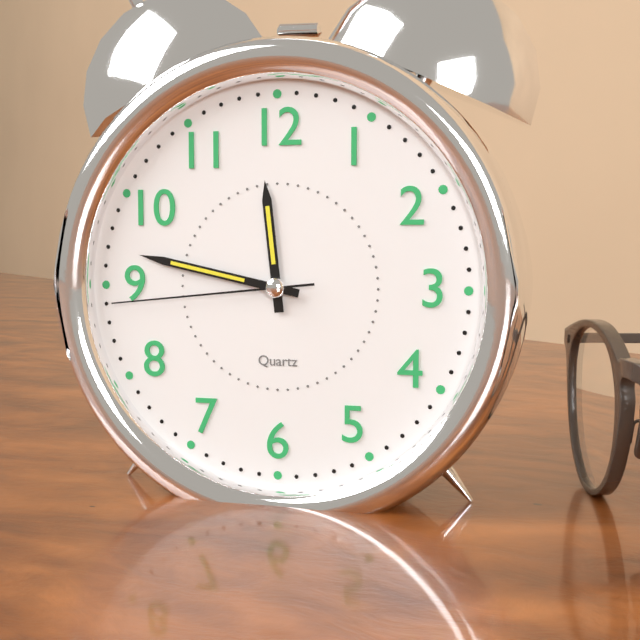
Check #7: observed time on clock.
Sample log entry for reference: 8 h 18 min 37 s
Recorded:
11 h 47 min 44 s
